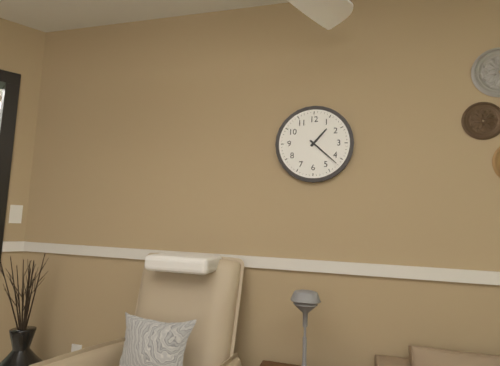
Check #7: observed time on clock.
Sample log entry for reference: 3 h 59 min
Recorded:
1 h 22 min
